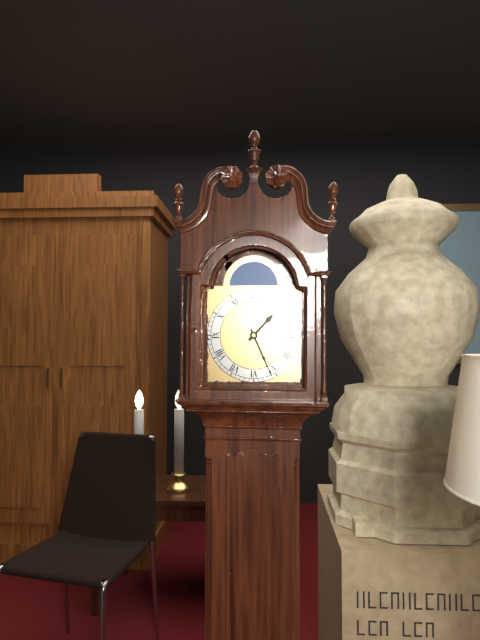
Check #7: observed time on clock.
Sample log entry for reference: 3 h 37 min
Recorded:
1 h 26 min
